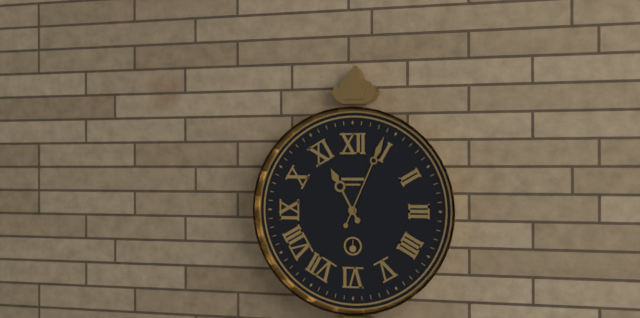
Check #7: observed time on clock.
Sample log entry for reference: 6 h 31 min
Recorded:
11 h 04 min
